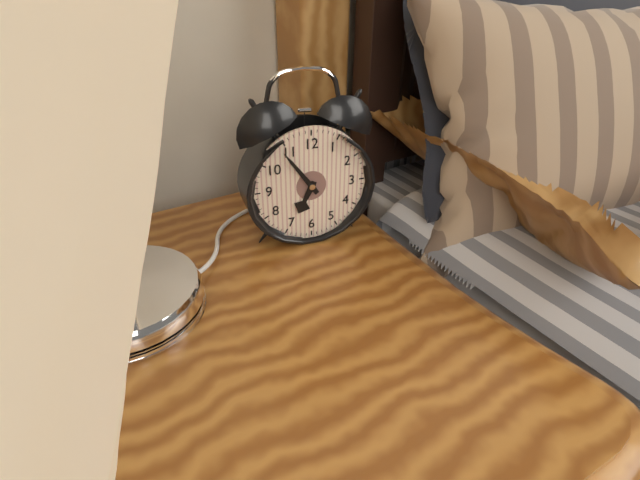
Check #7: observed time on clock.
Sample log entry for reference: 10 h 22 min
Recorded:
6 h 54 min
